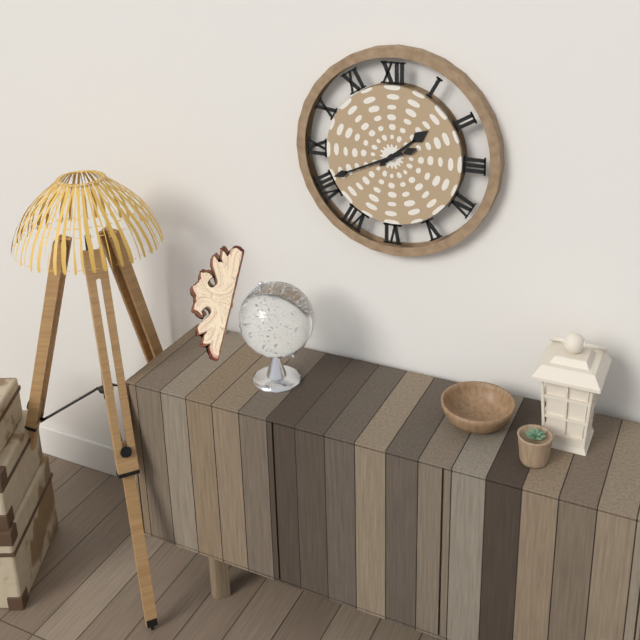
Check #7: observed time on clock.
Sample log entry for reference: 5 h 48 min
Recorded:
1 h 41 min
